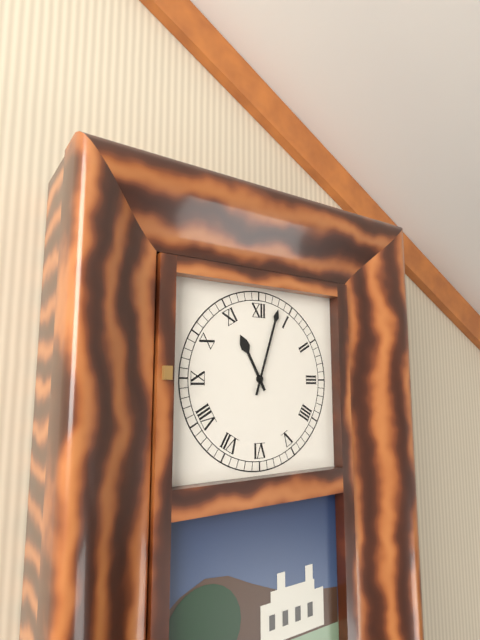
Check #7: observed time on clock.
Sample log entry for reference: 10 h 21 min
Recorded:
11 h 03 min
